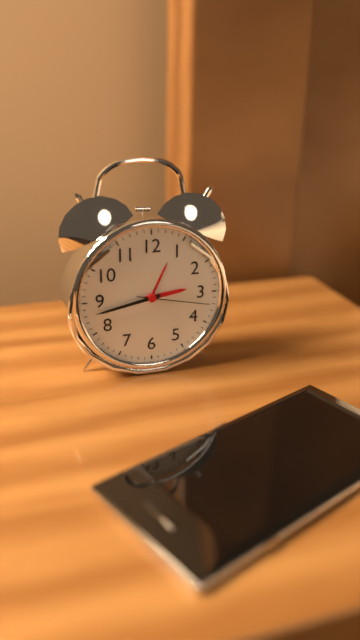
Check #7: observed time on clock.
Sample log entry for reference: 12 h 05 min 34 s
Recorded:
2 h 43 min 17 s
